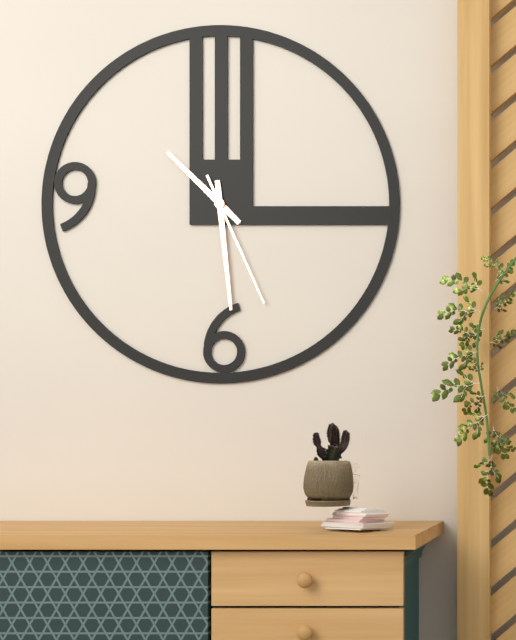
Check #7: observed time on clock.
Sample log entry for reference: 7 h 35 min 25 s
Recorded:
10 h 29 min 26 s
